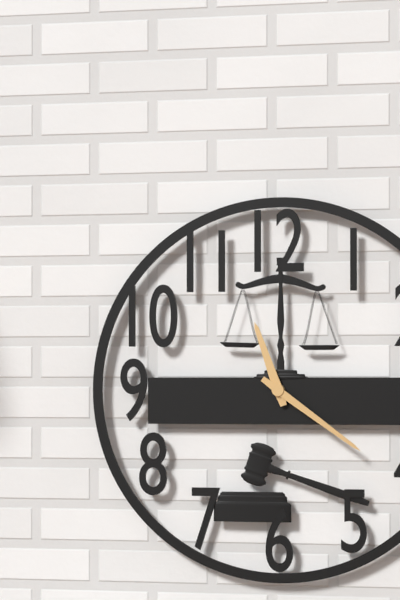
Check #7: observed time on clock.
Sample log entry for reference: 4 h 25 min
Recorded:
11 h 21 min
